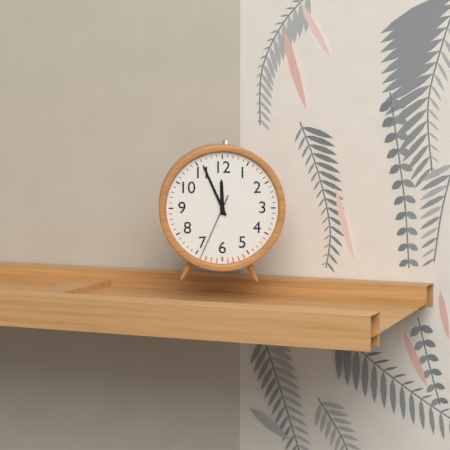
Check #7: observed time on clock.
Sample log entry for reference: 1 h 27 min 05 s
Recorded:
11 h 56 min 34 s
